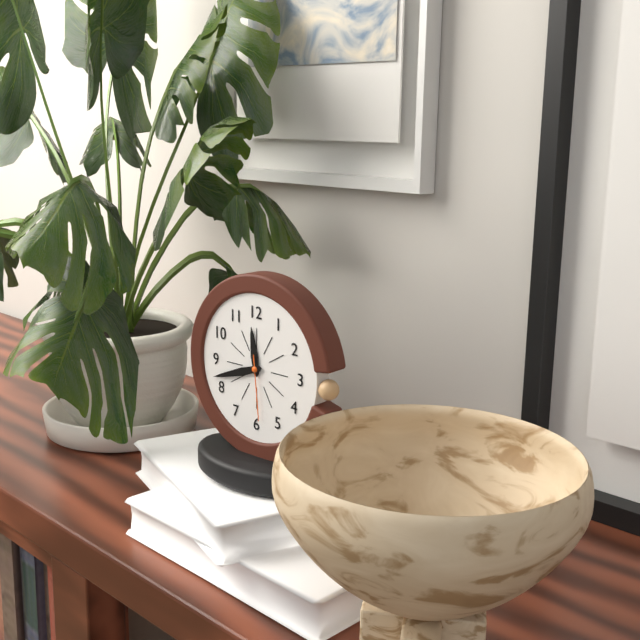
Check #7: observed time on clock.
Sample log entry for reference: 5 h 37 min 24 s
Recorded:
11 h 42 min 29 s
